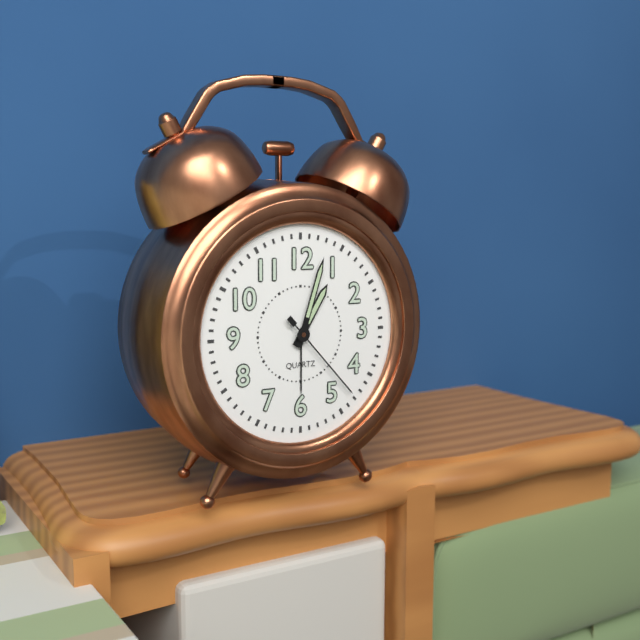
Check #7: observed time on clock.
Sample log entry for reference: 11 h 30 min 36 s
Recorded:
1 h 03 min 23 s
